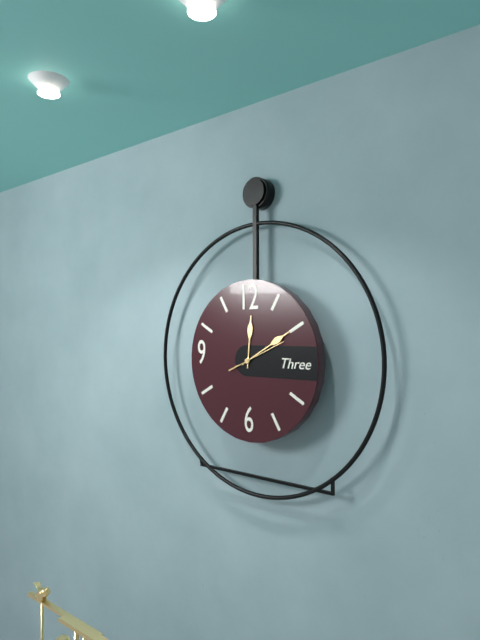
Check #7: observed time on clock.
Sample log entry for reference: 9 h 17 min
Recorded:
12 h 10 min
